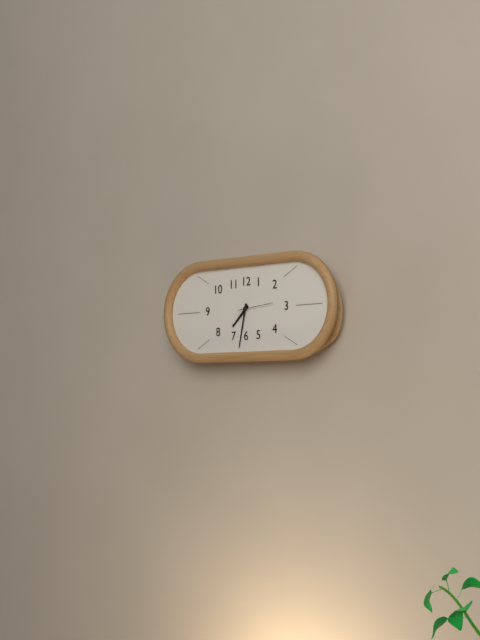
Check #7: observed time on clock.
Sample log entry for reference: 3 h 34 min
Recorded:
7 h 32 min
